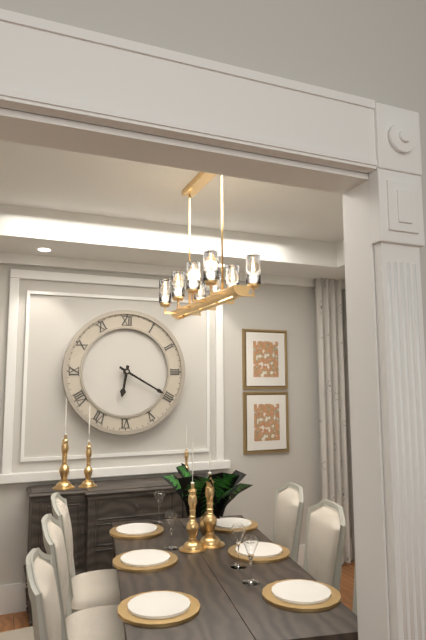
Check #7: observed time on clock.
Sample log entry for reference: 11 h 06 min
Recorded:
6 h 20 min
